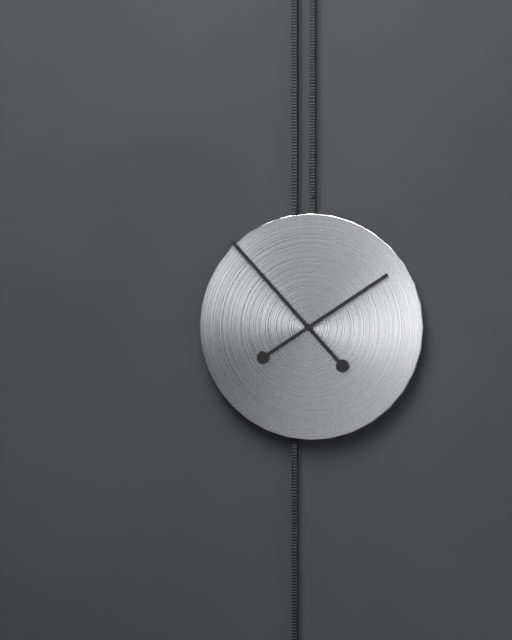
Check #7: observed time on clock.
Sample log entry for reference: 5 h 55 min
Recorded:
1 h 53 min
